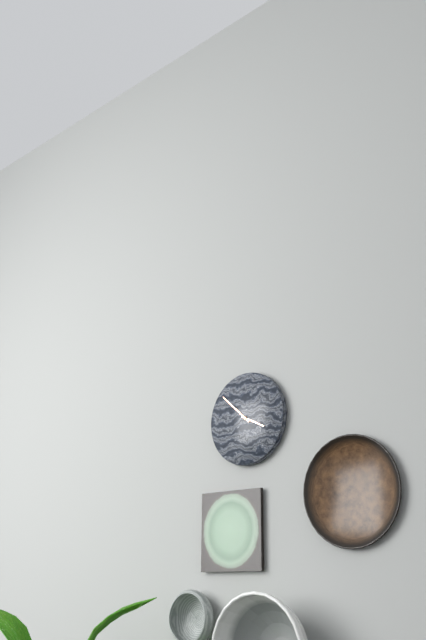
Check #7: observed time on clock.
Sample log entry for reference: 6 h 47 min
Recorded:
3 h 52 min
